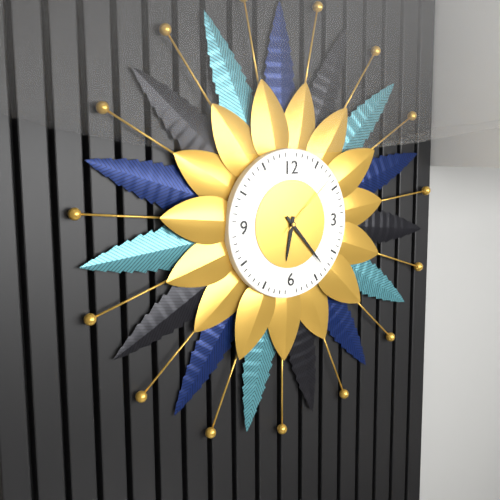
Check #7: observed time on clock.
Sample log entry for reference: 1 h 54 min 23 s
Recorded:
6 h 23 min 08 s
